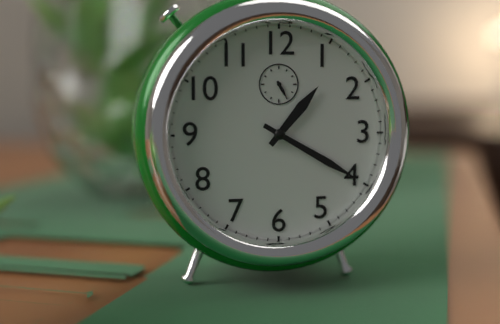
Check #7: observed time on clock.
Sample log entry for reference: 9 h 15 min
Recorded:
1 h 20 min
